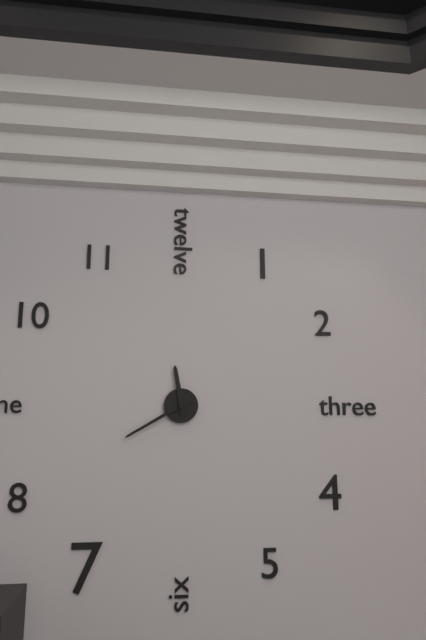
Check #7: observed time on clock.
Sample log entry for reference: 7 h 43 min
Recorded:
11 h 40 min
